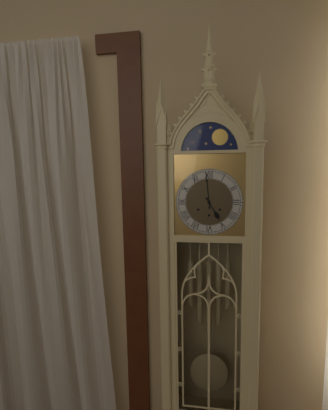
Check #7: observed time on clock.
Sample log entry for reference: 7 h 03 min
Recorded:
4 h 59 min
